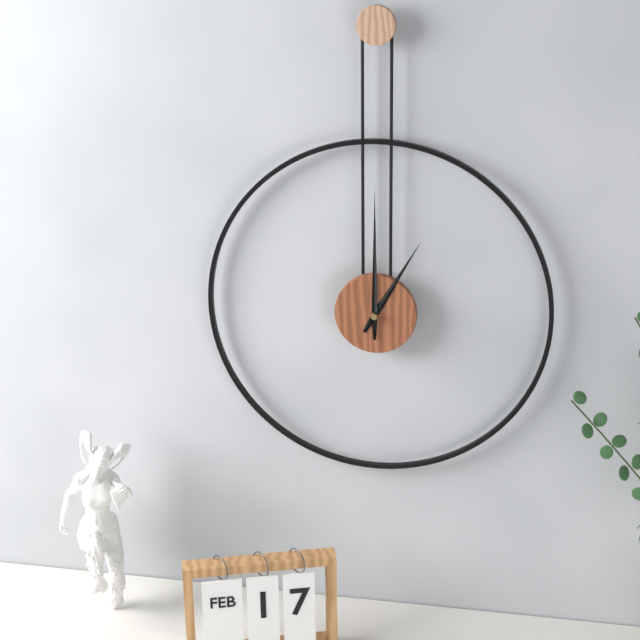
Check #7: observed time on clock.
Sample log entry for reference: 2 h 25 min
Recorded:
1 h 00 min
